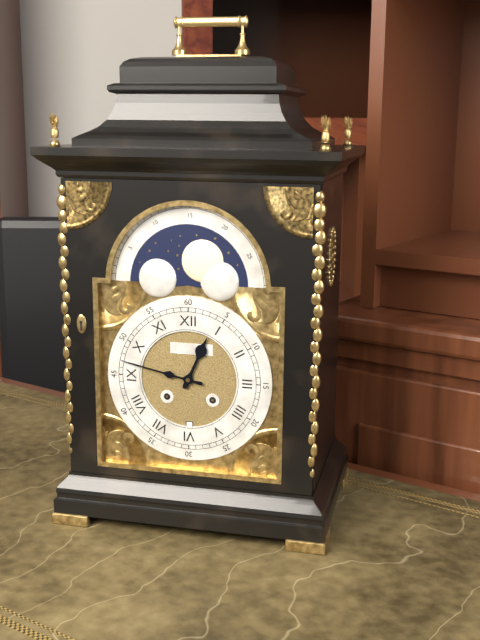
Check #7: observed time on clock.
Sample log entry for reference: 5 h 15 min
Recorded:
12 h 47 min
